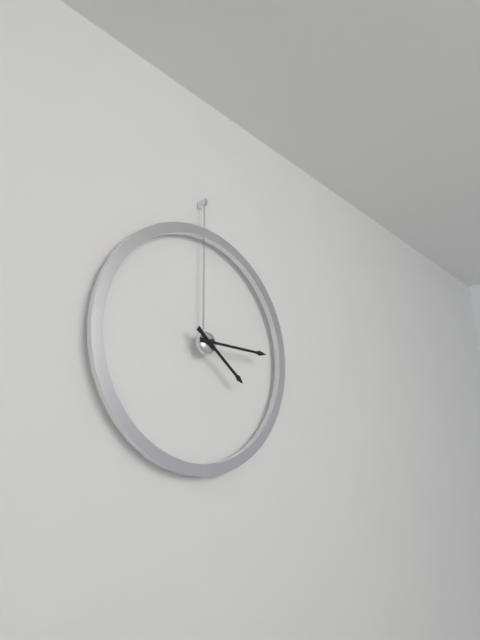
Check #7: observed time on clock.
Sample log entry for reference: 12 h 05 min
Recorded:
4 h 15 min
